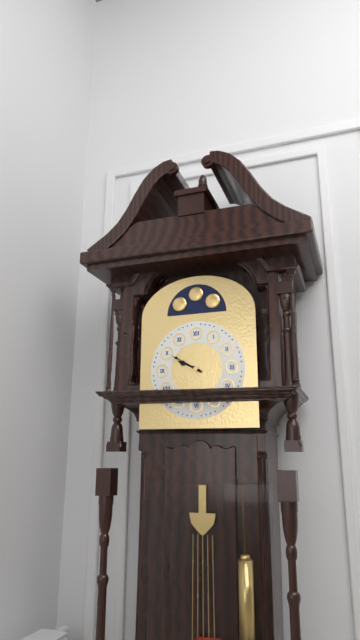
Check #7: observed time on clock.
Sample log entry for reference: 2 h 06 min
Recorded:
9 h 50 min
